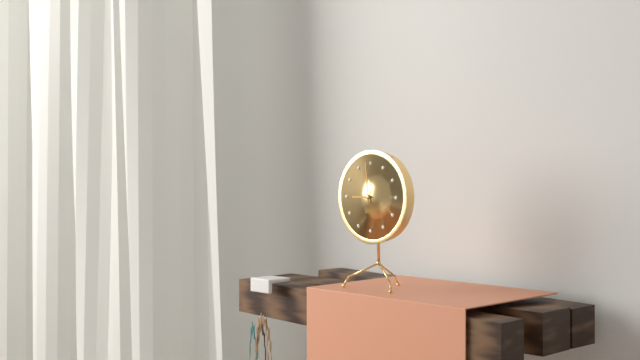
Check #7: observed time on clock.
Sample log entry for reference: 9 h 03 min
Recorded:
8 h 59 min
